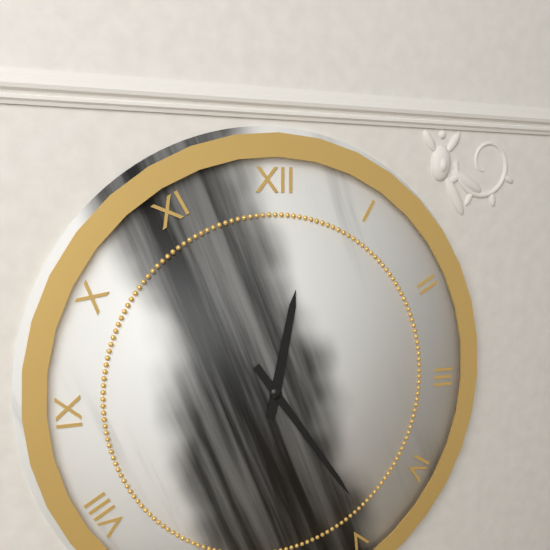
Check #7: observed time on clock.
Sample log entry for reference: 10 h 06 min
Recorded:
12 h 24 min
